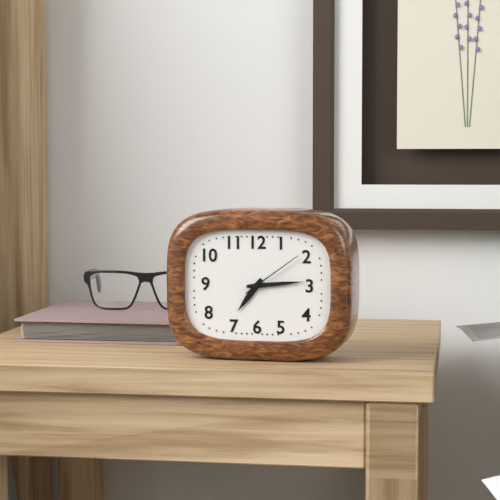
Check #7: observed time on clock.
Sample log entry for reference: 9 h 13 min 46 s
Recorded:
7 h 14 min 09 s
